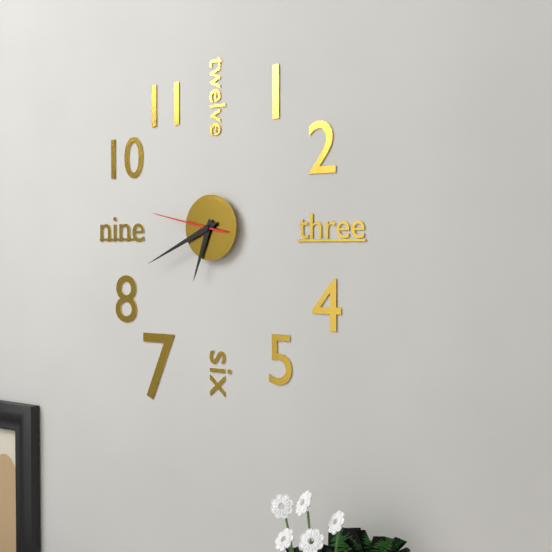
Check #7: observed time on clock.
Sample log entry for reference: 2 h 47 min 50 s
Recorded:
6 h 41 min 47 s
